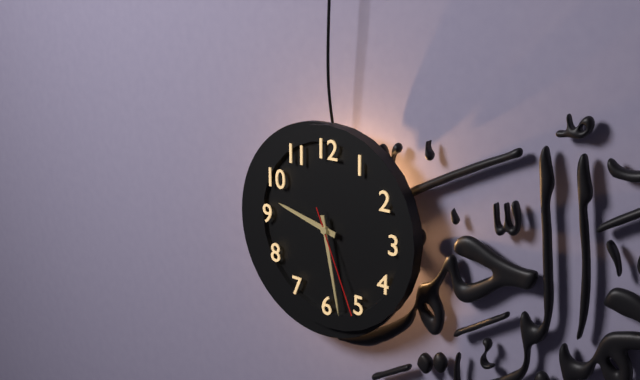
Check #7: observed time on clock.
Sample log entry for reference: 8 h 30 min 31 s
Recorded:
9 h 28 min 26 s
